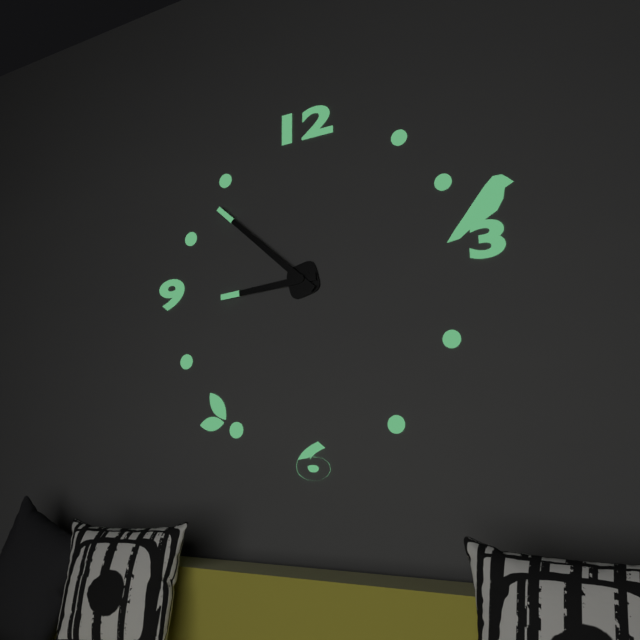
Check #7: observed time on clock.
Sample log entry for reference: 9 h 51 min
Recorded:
8 h 52 min
